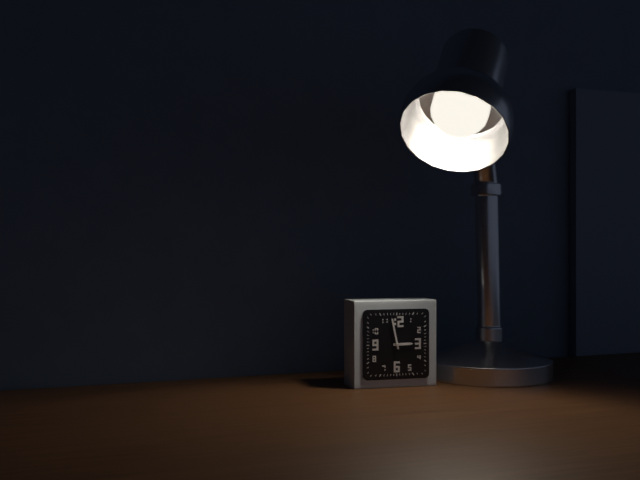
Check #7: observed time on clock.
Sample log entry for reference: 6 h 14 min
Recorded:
2 h 58 min
